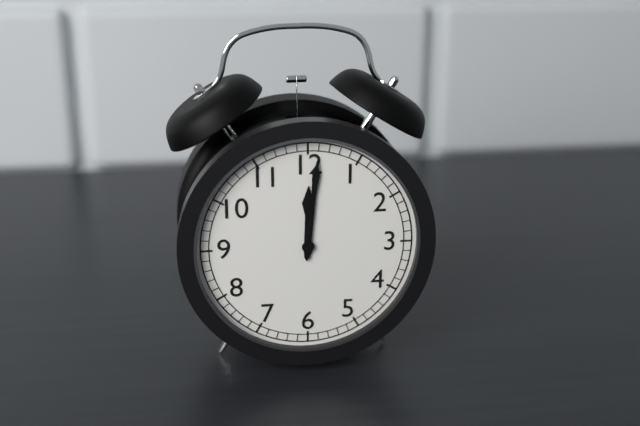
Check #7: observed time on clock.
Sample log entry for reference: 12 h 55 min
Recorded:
12 h 01 min
